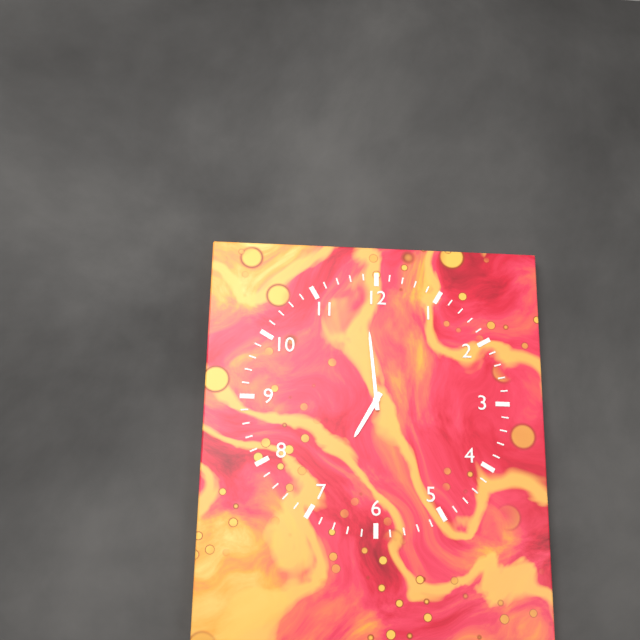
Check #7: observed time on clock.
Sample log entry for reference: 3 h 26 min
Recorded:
6 h 59 min
